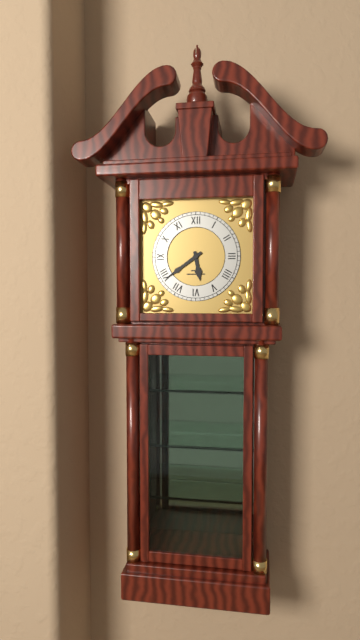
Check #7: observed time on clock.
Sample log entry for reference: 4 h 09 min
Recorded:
5 h 39 min
